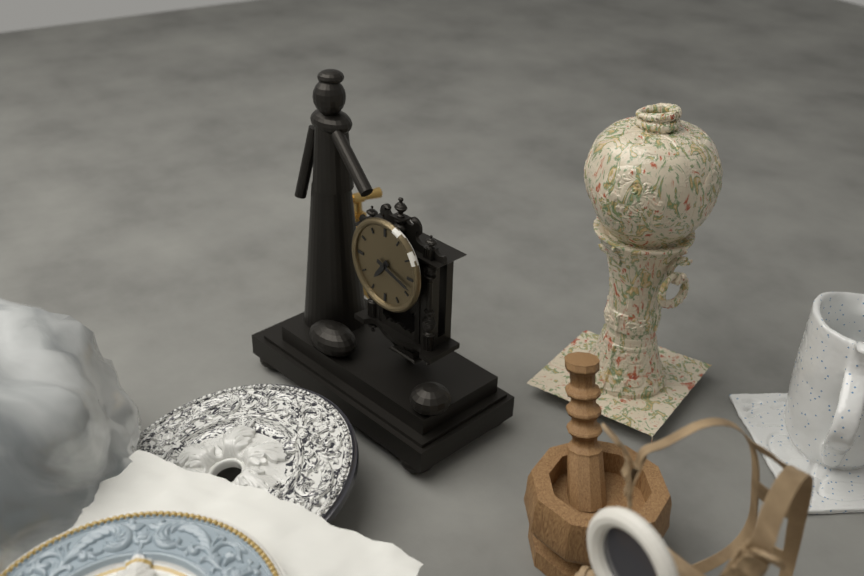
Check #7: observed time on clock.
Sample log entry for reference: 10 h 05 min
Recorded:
7 h 18 min
